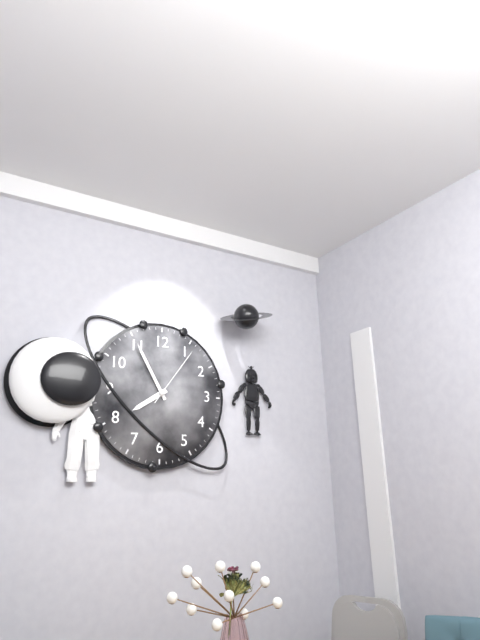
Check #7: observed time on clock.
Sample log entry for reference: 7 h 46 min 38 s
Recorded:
7 h 55 min 06 s
